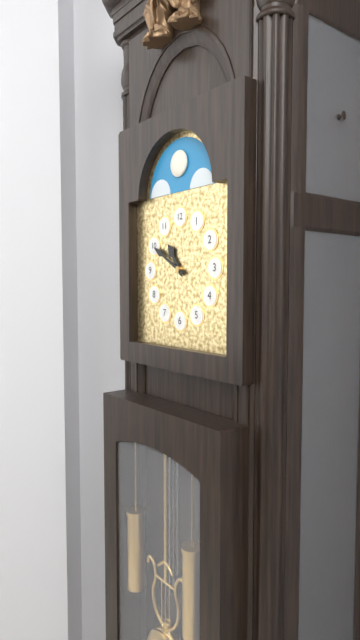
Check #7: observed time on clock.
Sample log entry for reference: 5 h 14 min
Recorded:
10 h 50 min
